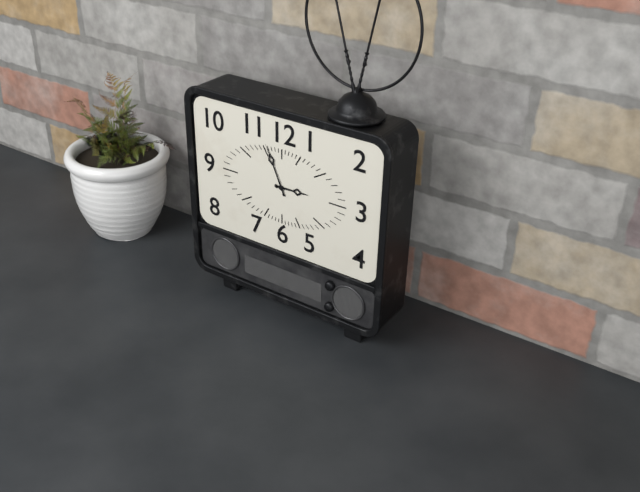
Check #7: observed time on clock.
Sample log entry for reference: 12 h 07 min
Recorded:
2 h 56 min
